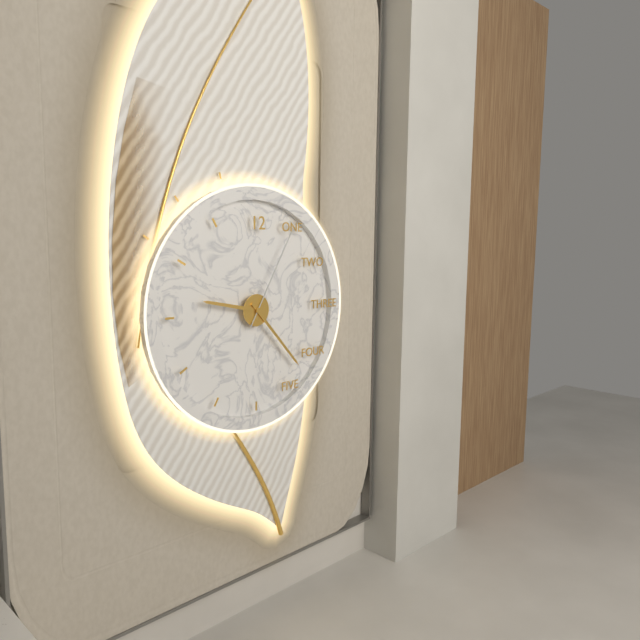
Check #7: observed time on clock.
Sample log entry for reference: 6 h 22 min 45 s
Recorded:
9 h 23 min 05 s
